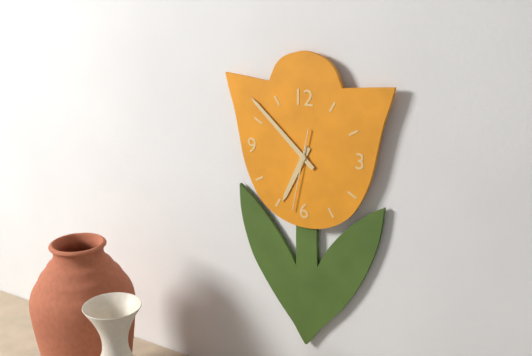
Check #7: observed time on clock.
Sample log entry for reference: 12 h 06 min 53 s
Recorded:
6 h 52 min 32 s
